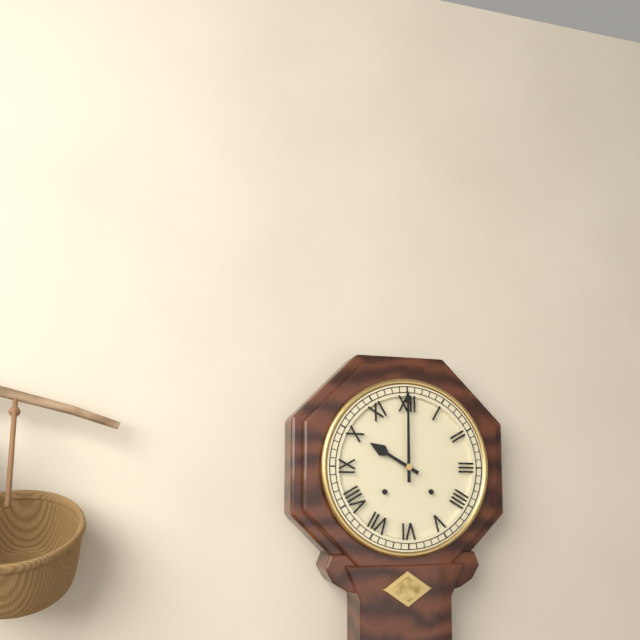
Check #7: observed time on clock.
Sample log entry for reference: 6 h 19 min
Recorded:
10 h 00 min
